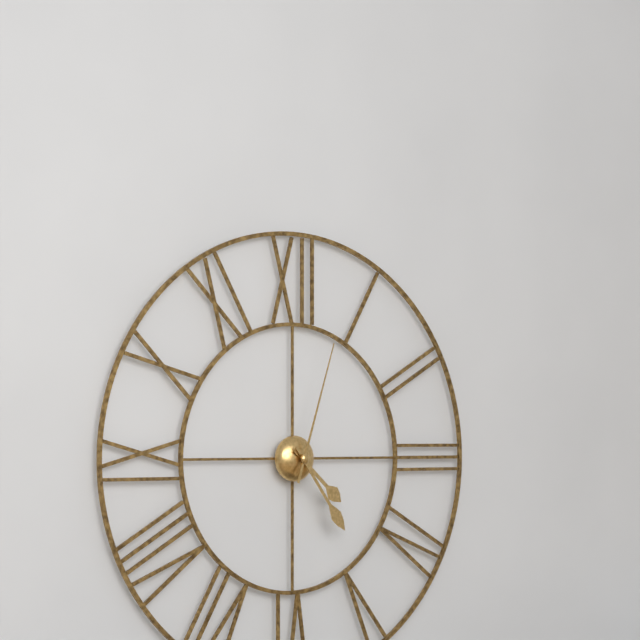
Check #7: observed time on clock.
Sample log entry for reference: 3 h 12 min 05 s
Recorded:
4 h 24 min 03 s
